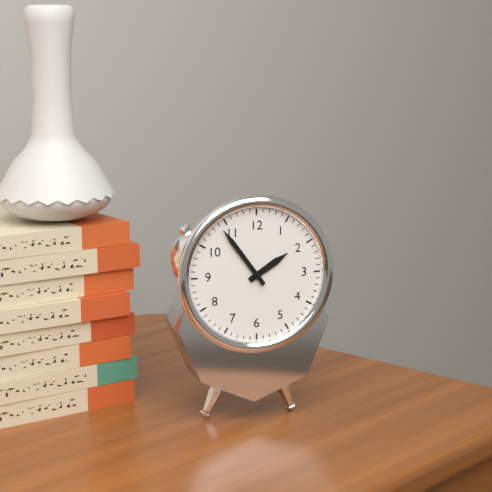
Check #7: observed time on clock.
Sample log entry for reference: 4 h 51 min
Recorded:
1 h 54 min
